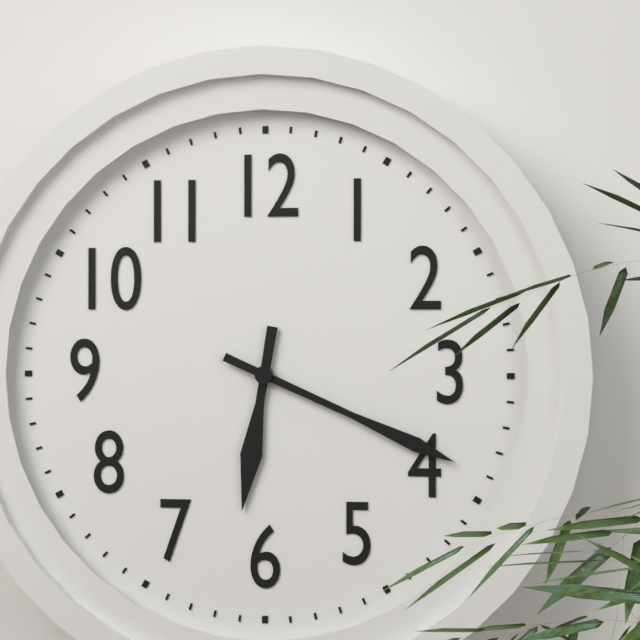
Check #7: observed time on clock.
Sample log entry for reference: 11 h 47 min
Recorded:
6 h 19 min
